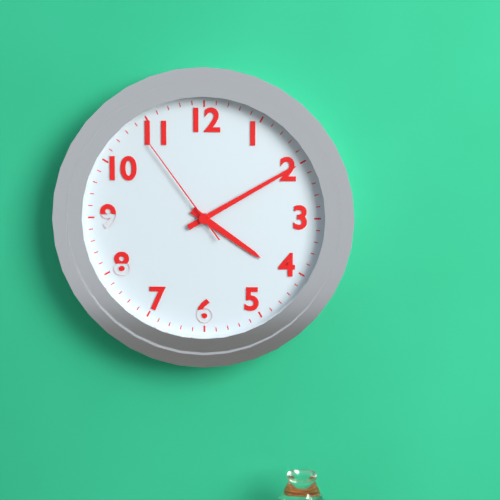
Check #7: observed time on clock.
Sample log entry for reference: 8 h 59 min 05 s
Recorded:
4 h 10 min 54 s
